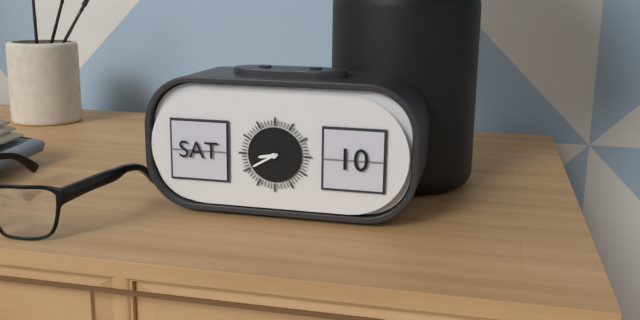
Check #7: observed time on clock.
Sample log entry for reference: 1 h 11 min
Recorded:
8 h 40 min
